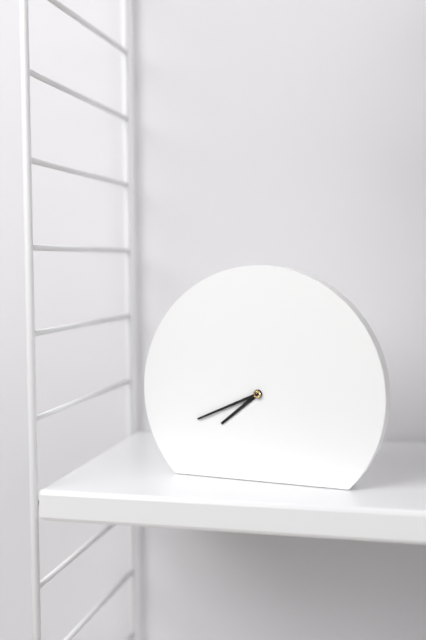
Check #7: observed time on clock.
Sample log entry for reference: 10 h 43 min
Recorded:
7 h 41 min
